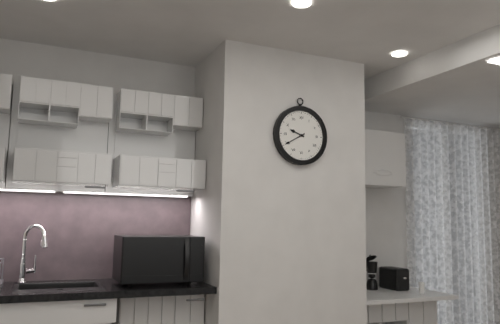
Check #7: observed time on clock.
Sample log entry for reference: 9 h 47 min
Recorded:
9 h 40 min
